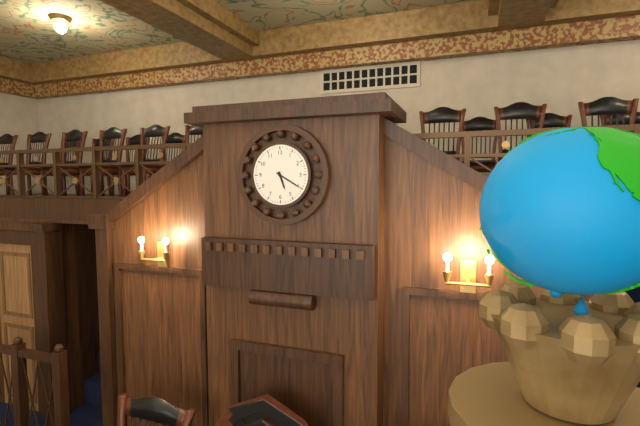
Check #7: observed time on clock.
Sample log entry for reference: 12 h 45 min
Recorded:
5 h 20 min
